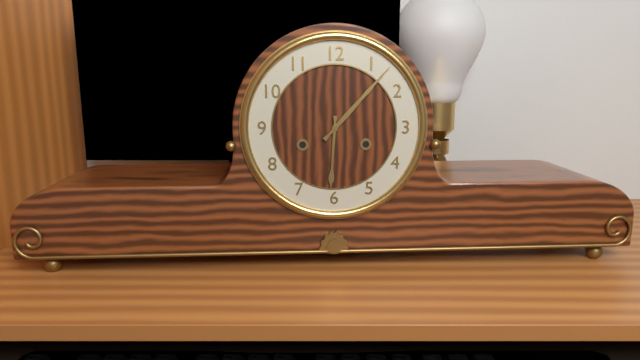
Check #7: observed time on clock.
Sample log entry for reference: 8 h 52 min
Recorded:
6 h 07 min
